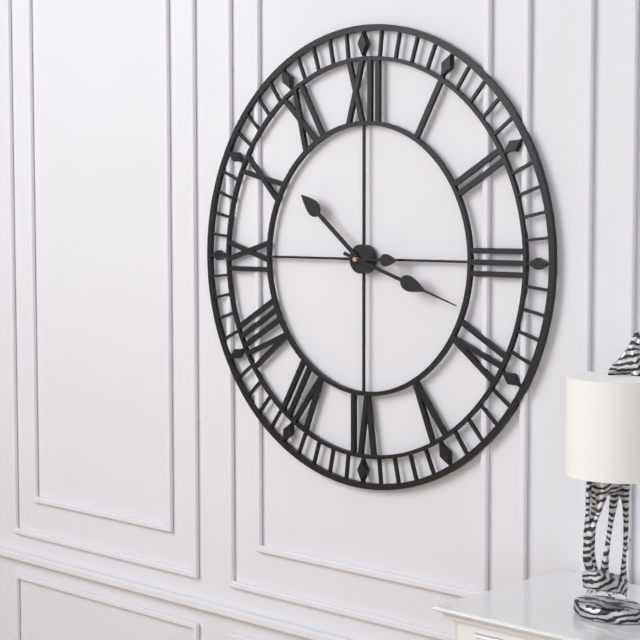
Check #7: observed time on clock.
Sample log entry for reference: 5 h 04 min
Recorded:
10 h 18 min
